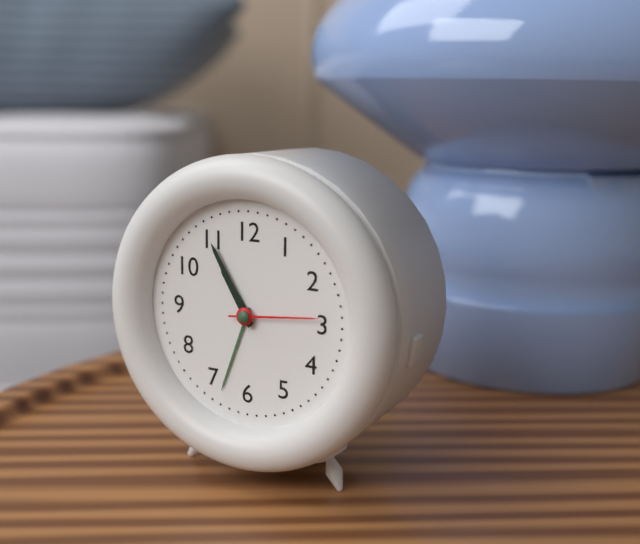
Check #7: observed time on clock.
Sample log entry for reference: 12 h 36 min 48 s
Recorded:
10 h 55 min 14 s
